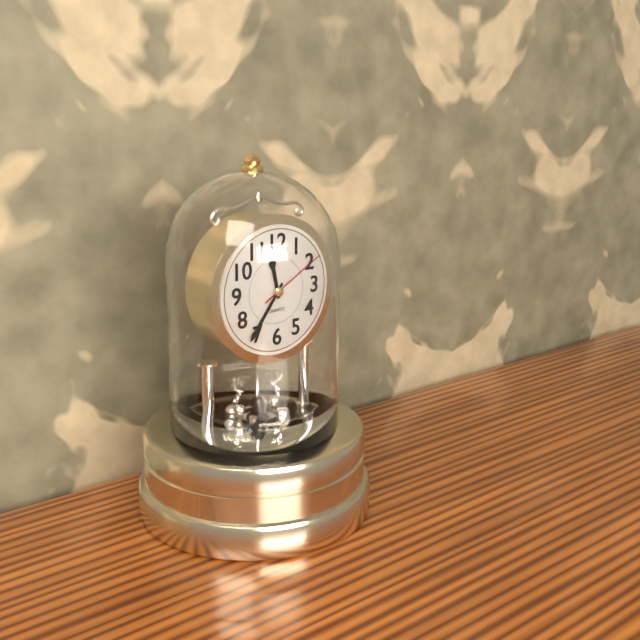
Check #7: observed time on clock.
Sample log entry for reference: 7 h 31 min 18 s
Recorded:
11 h 36 min 10 s
